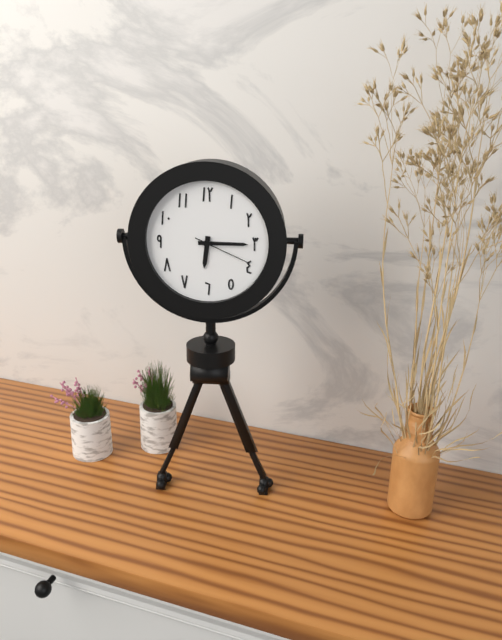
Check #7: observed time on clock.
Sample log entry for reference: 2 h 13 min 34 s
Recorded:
6 h 15 min 19 s
